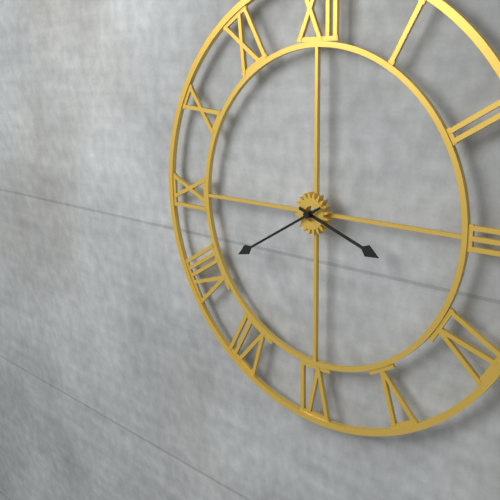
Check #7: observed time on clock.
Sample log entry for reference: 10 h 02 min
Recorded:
3 h 40 min
